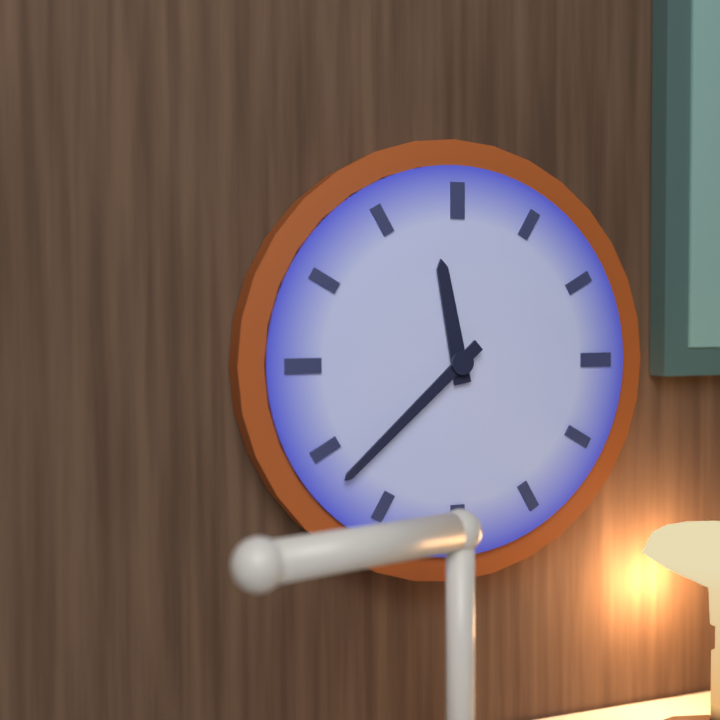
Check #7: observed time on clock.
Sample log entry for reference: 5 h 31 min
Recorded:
11 h 38 min
